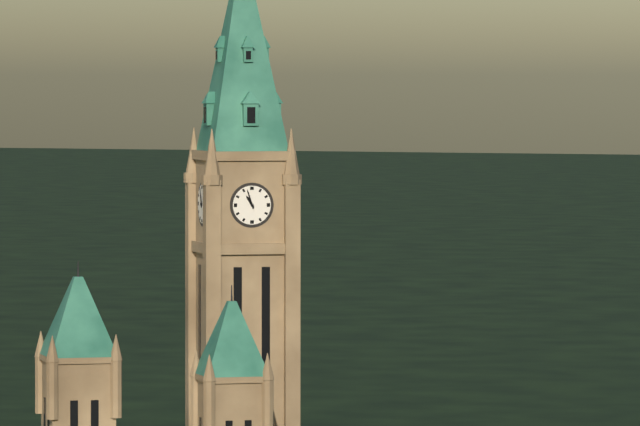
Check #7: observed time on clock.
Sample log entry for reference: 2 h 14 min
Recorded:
10 h 57 min
